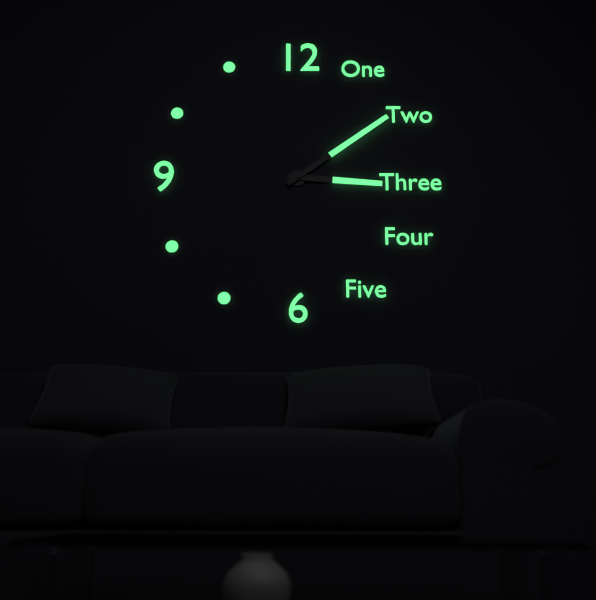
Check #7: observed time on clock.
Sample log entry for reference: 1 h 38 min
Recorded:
3 h 09 min
